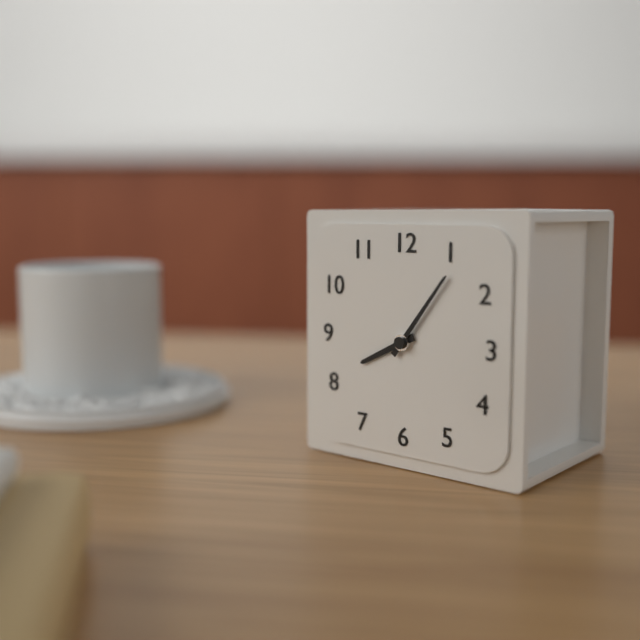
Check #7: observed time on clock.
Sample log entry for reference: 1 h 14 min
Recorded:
8 h 06 min
